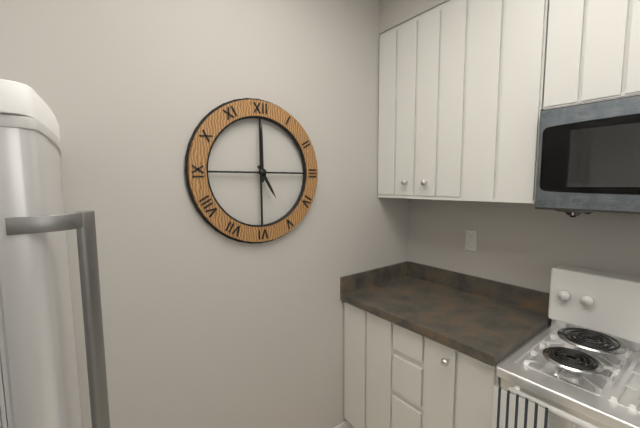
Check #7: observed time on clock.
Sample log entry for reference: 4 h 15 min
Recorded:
5 h 00 min
